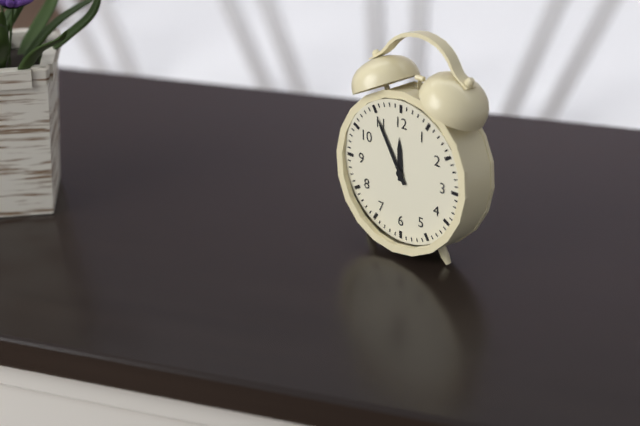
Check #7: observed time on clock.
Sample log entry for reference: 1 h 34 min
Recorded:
11 h 55 min
